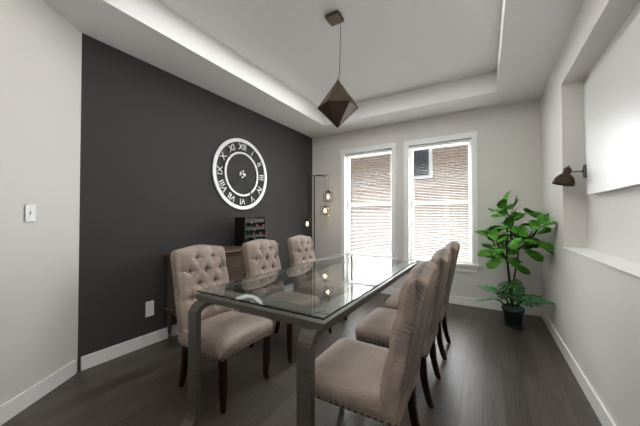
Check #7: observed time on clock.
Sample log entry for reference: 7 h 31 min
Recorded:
7 h 25 min
